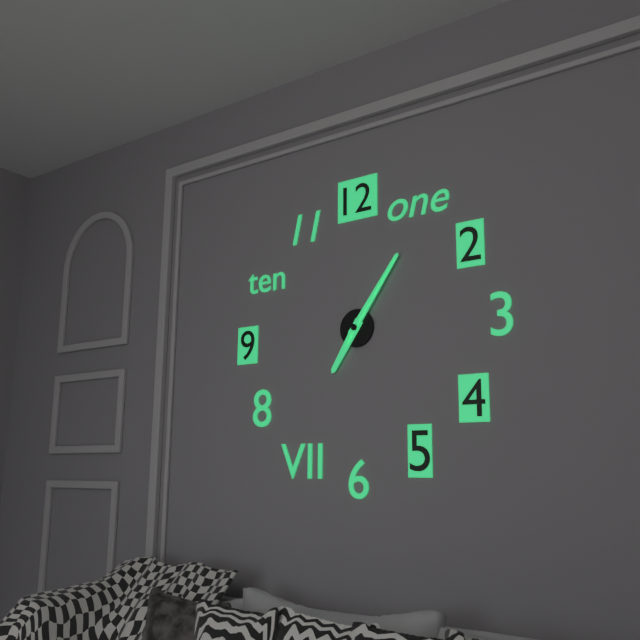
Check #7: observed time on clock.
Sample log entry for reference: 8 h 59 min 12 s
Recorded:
7 h 06 min 06 s
